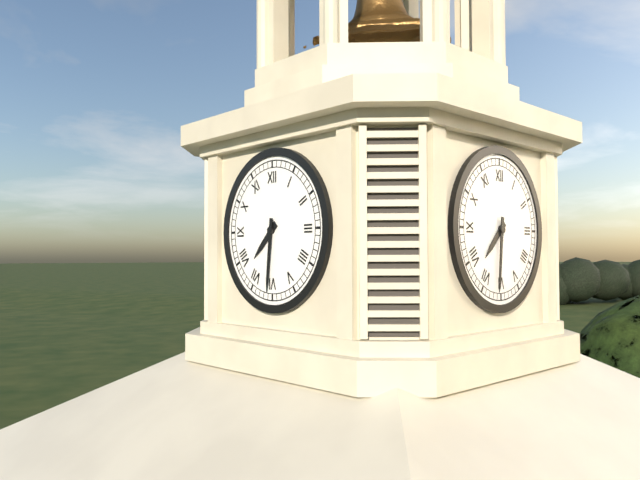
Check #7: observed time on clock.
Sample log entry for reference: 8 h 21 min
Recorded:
7 h 31 min
